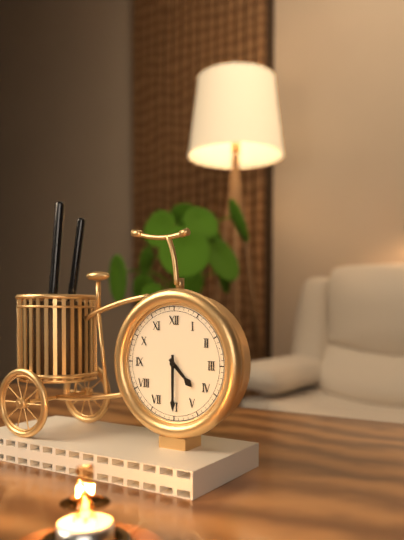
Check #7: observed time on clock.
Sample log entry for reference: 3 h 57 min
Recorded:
4 h 30 min
